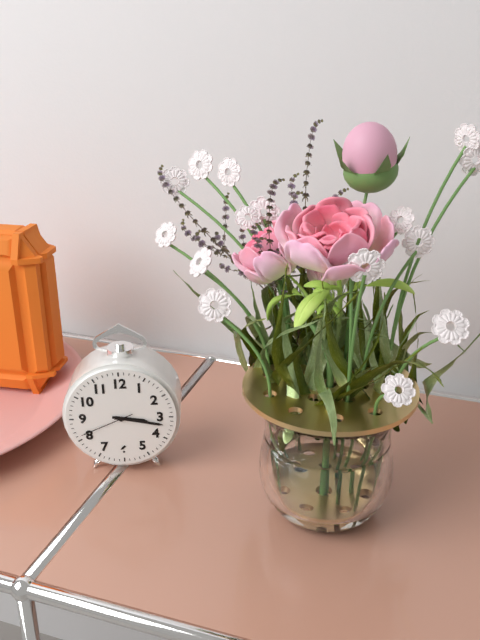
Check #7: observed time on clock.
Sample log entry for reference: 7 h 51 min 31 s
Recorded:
3 h 17 min 41 s
